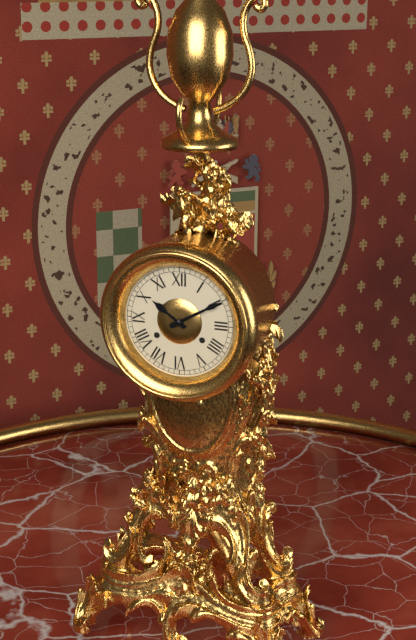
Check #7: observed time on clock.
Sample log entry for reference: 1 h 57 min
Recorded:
10 h 10 min
